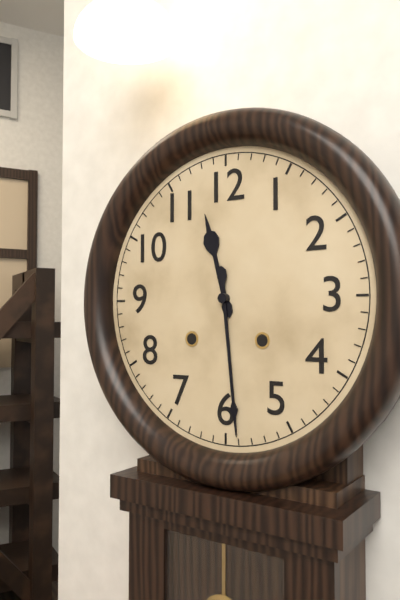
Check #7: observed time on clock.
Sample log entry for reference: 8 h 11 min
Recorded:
11 h 29 min
